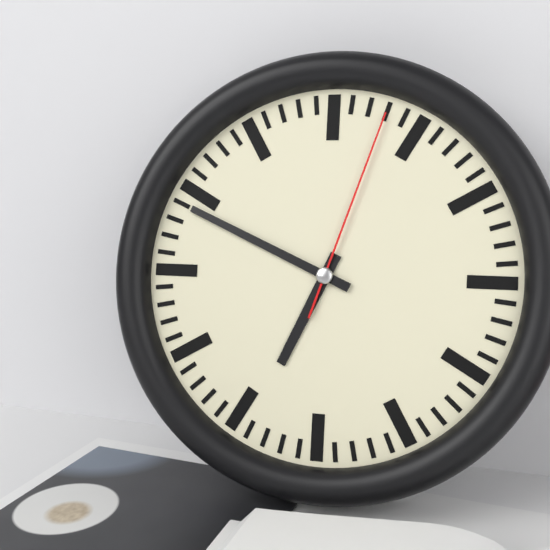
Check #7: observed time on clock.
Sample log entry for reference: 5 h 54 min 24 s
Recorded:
6 h 49 min 03 s
